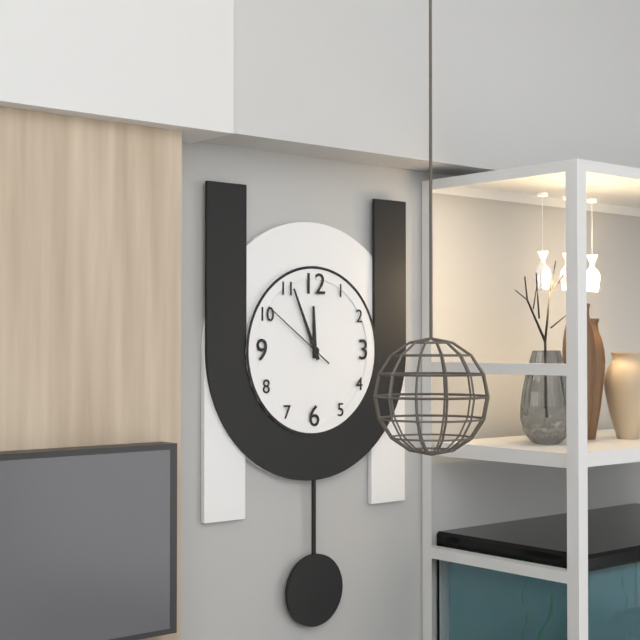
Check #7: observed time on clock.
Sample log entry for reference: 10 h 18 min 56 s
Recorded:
11 h 56 min 51 s
